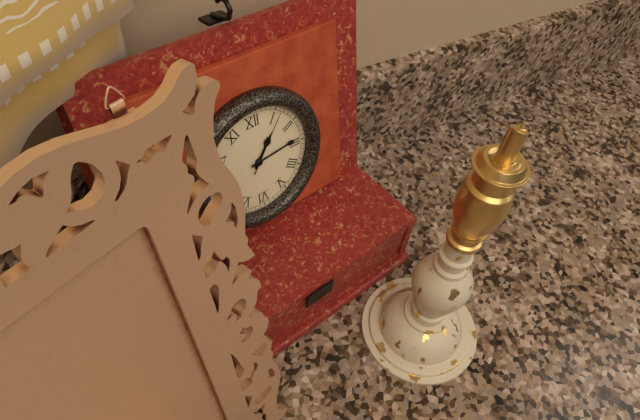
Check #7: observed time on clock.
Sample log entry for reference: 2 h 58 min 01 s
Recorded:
1 h 14 min 06 s
